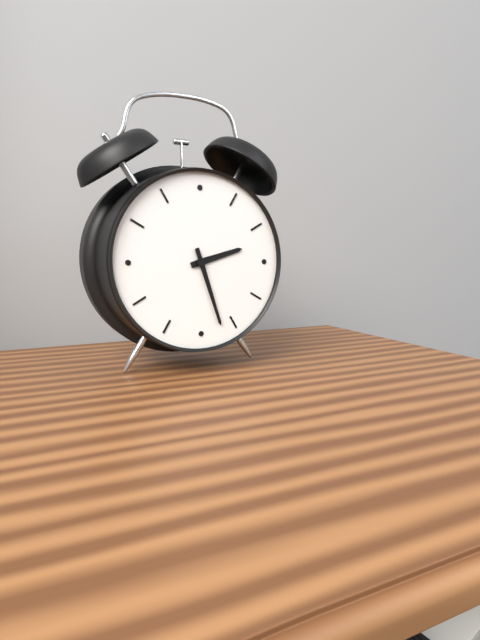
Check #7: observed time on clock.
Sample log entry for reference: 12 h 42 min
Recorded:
2 h 27 min
